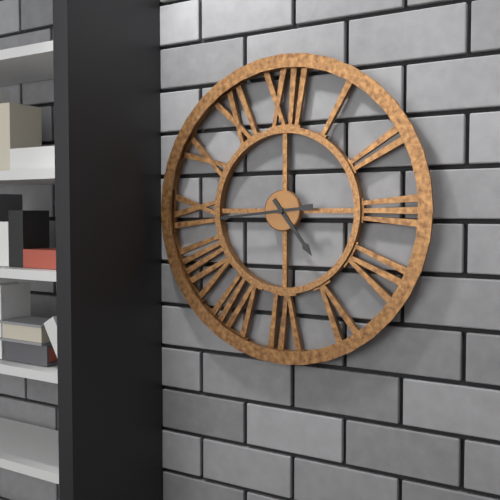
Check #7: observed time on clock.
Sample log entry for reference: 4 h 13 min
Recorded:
4 h 44 min
